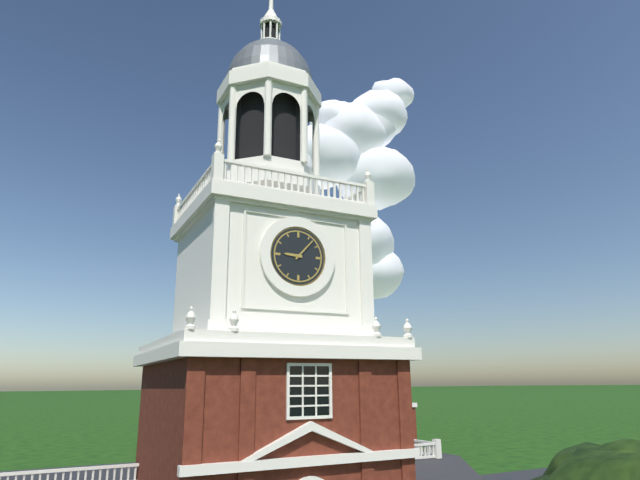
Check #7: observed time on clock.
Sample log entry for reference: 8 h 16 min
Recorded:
9 h 07 min
